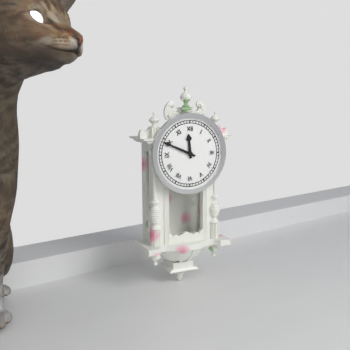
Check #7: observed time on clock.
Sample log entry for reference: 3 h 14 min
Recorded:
11 h 49 min
